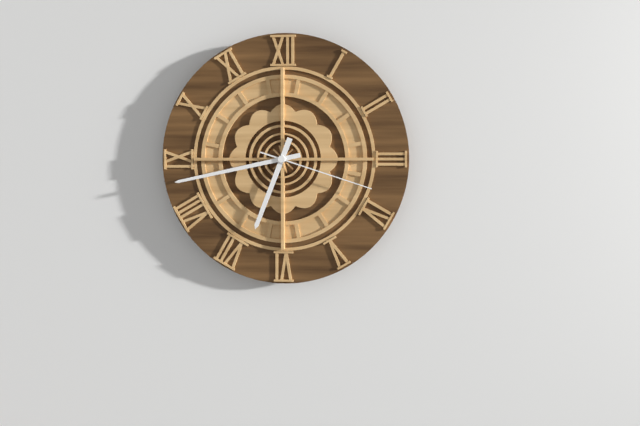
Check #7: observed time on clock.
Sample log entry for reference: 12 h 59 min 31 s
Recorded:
6 h 43 min 18 s
